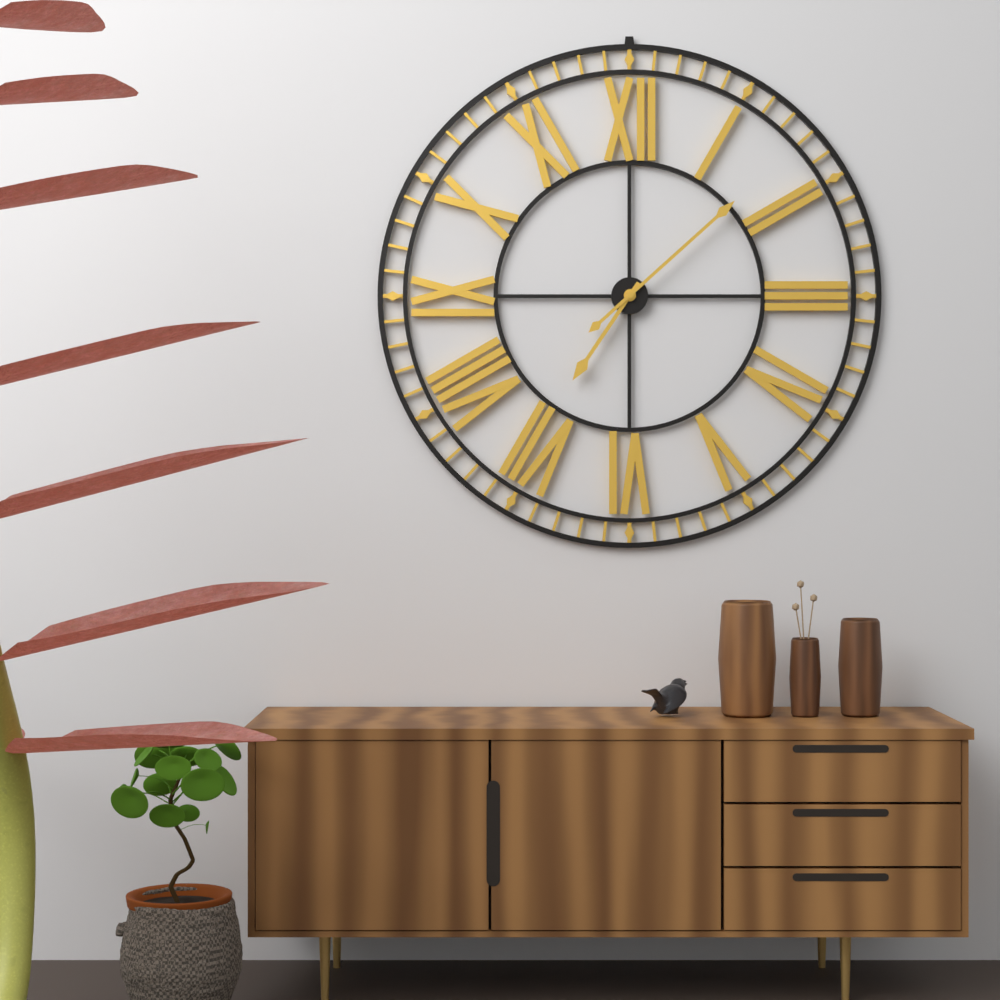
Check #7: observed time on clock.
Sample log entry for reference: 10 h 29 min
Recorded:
7 h 08 min
